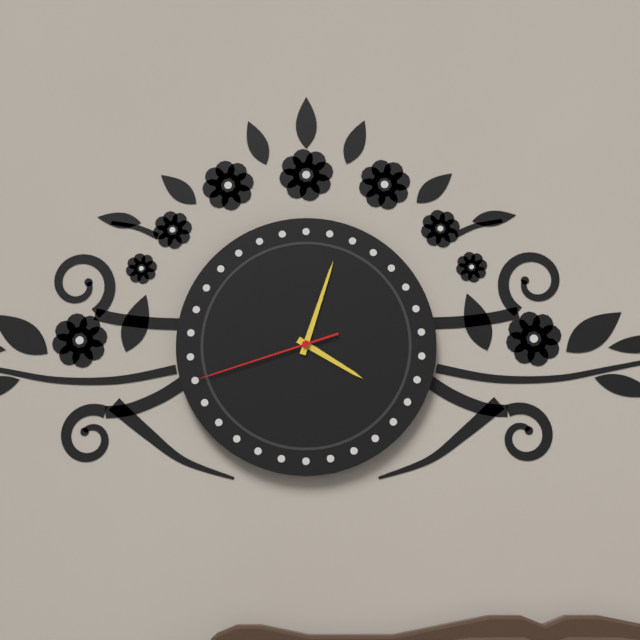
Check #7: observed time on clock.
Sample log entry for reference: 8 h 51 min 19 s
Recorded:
4 h 03 min 42 s
